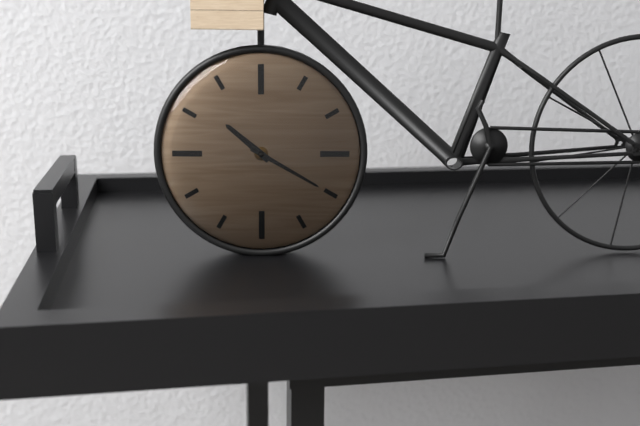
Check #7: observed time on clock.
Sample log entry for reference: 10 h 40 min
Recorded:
10 h 20 min
